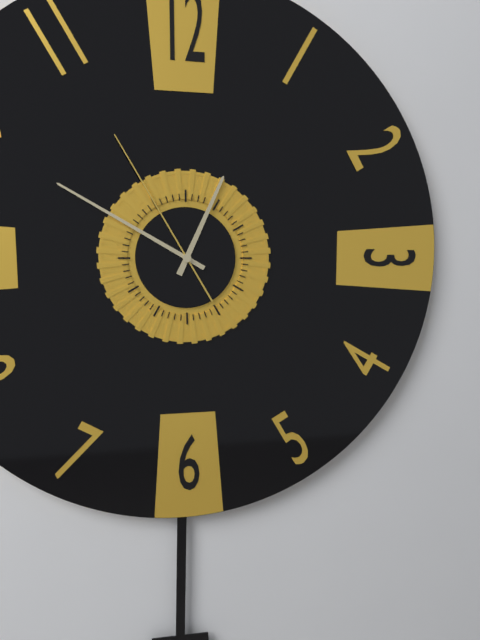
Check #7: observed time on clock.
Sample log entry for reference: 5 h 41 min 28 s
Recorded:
12 h 50 min 55 s
